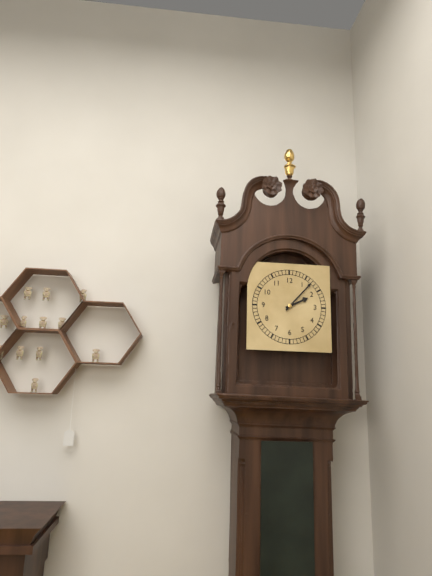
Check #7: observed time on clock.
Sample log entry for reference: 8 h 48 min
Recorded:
2 h 07 min
